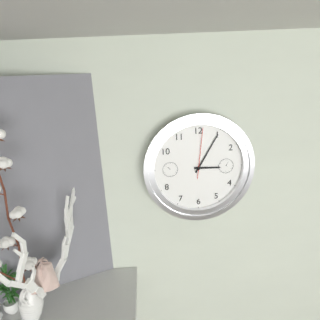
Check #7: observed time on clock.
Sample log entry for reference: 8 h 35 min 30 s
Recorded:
3 h 05 min 01 s
